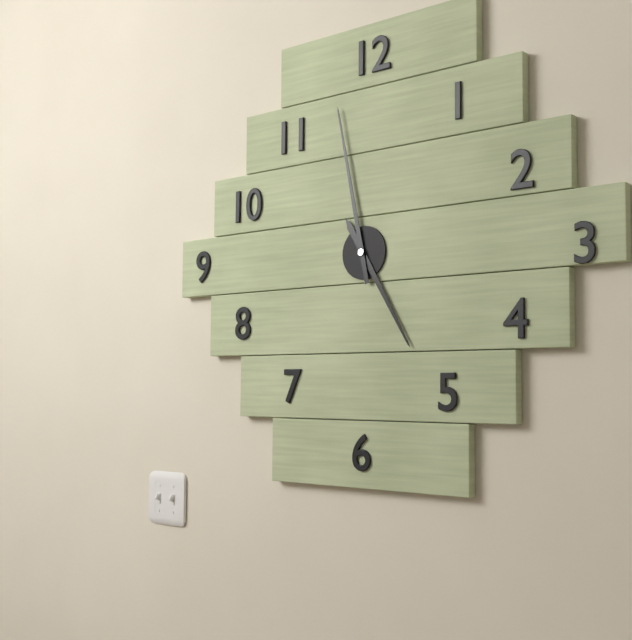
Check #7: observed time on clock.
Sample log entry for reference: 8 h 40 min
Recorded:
4 h 58 min
